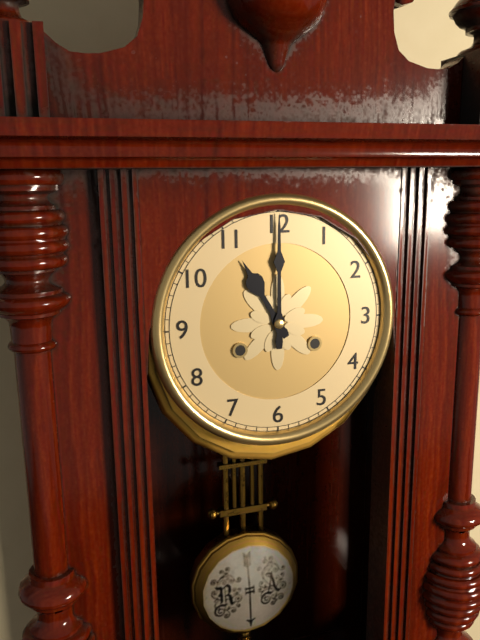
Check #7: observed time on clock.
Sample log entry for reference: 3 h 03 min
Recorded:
11 h 00 min
